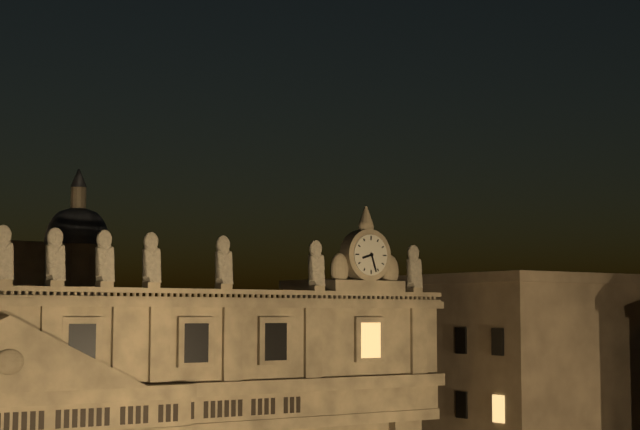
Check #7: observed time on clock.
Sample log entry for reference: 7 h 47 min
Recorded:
8 h 27 min
